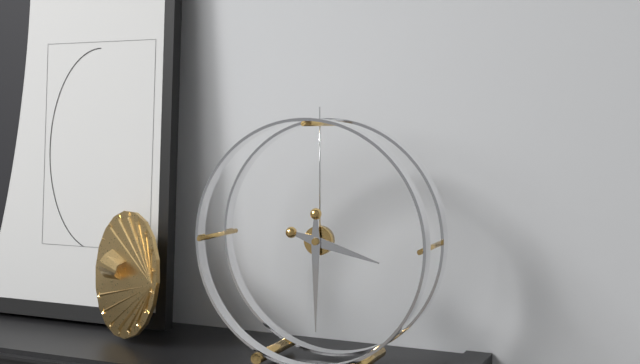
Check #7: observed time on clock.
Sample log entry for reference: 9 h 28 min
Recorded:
3 h 30 min
